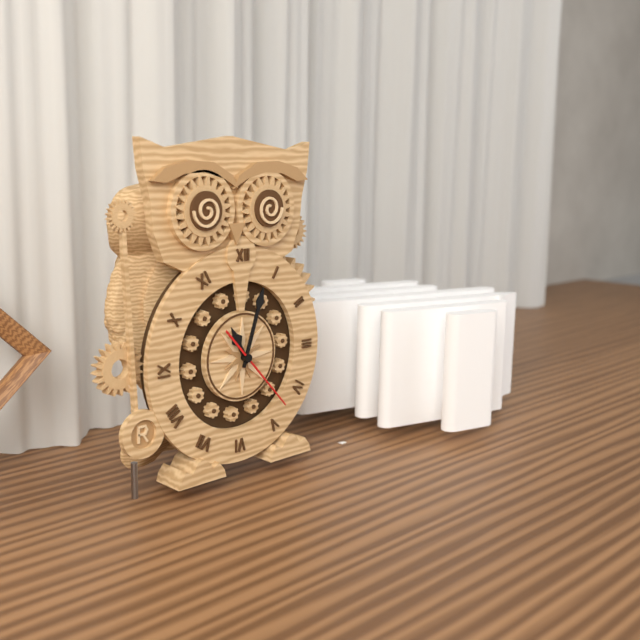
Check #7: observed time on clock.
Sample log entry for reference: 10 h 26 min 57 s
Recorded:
11 h 03 min 23 s
